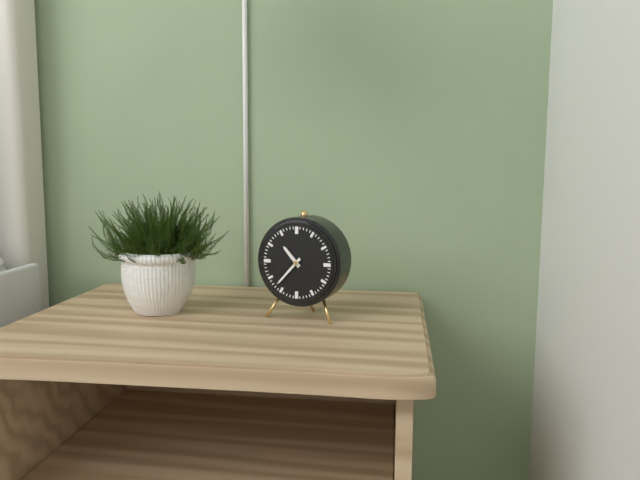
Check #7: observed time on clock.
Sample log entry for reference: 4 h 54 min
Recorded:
10 h 37 min
